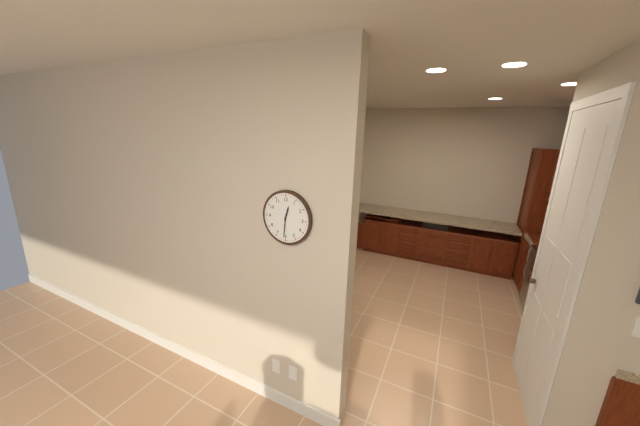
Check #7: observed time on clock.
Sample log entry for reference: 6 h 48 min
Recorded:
12 h 31 min
